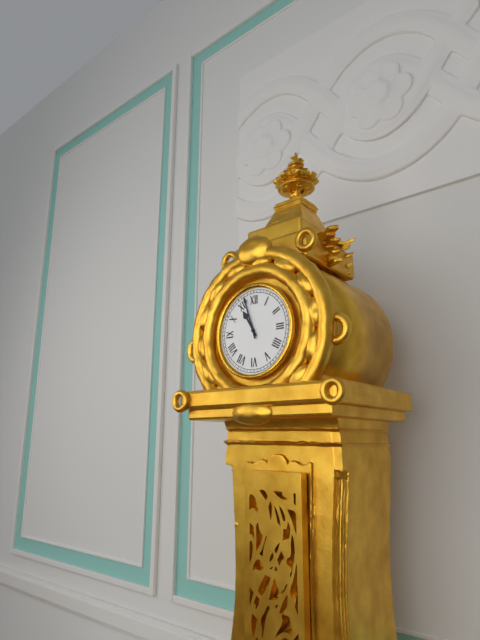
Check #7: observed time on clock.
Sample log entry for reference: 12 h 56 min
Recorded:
10 h 57 min
